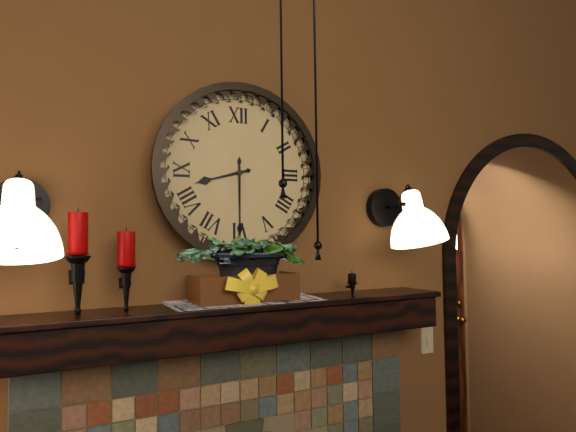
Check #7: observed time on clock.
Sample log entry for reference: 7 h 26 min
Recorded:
8 h 30 min
